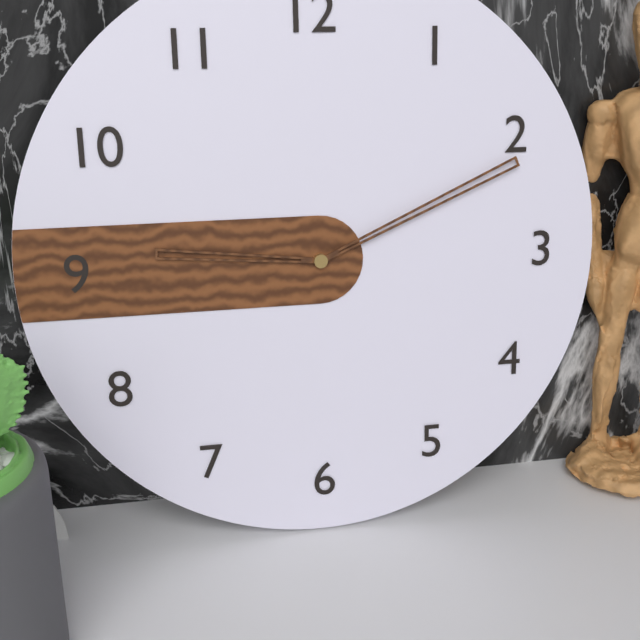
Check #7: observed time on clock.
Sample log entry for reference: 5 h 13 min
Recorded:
9 h 11 min
